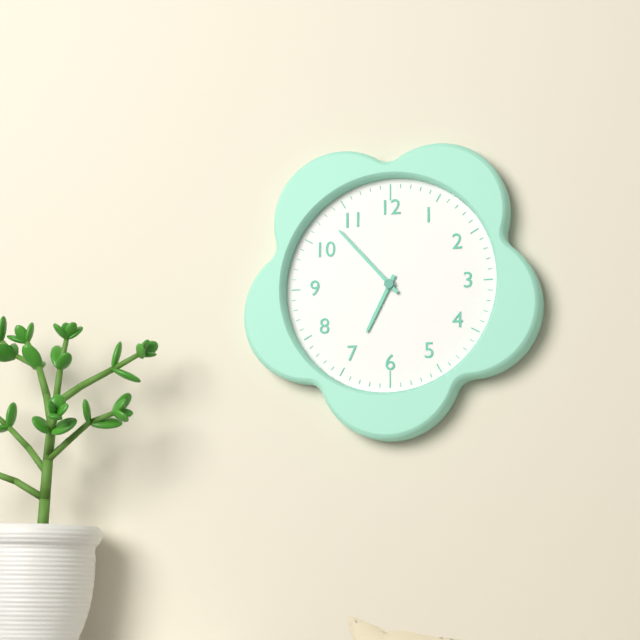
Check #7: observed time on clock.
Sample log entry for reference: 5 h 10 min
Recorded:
6 h 53 min
